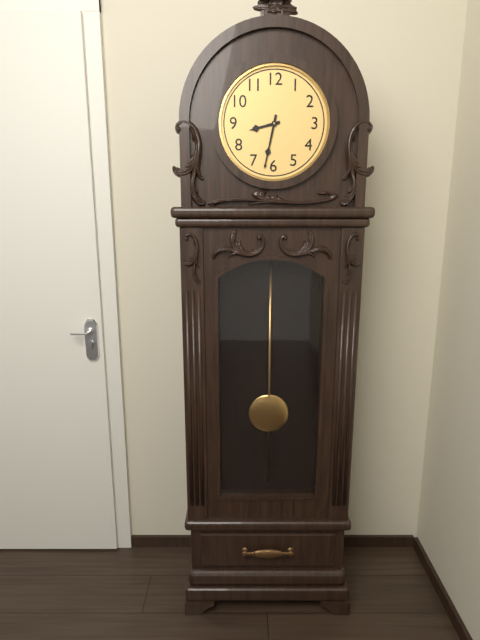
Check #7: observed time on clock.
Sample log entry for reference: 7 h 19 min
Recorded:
8 h 32 min
